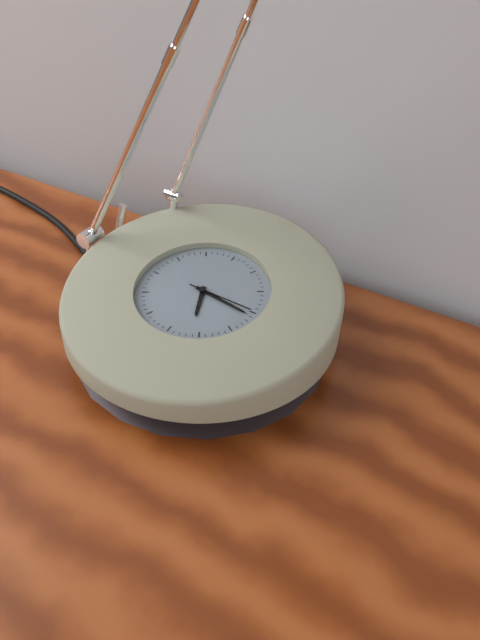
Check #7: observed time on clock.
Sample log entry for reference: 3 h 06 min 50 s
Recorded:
5 h 16 min 15 s
